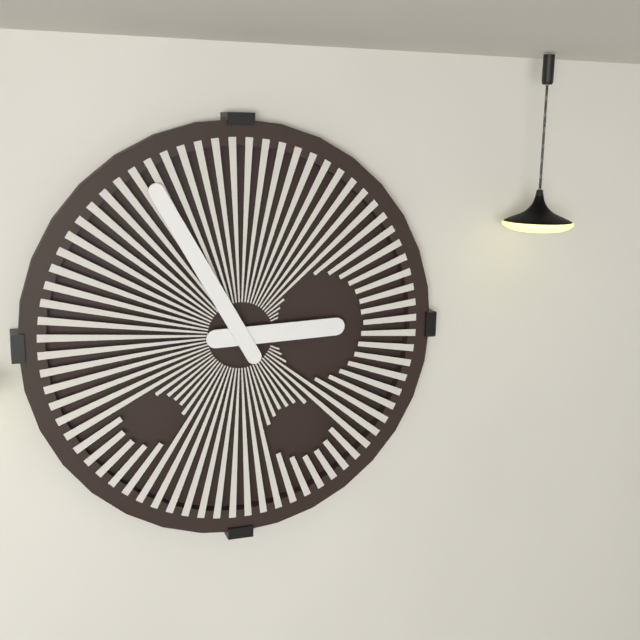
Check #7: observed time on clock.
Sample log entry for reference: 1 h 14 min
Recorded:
2 h 55 min
